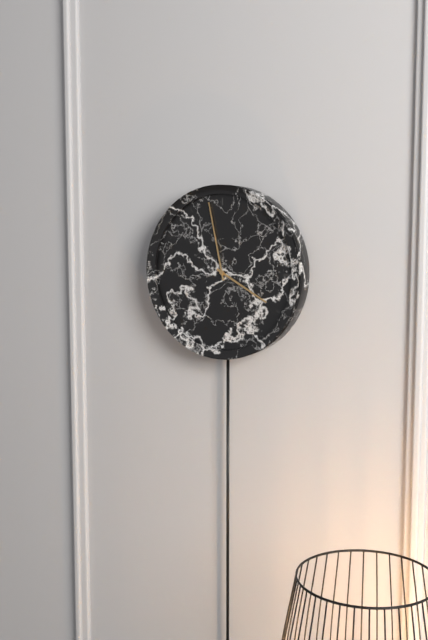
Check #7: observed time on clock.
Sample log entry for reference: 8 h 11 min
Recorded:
3 h 58 min
